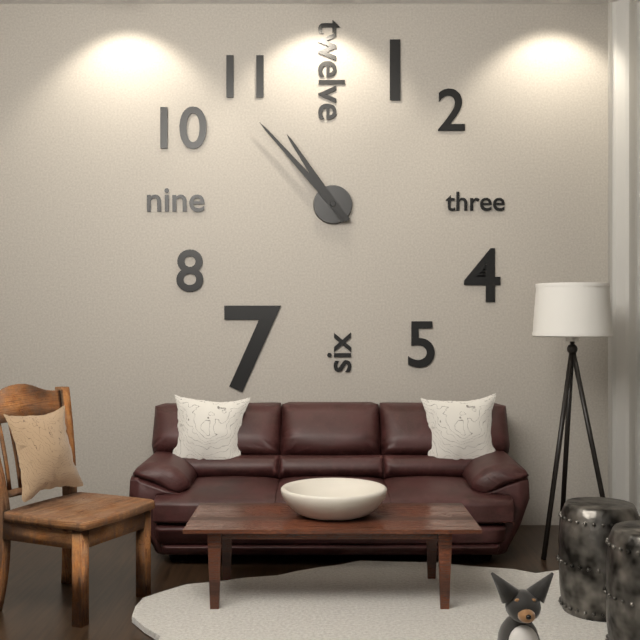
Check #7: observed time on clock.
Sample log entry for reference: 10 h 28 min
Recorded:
10 h 53 min
